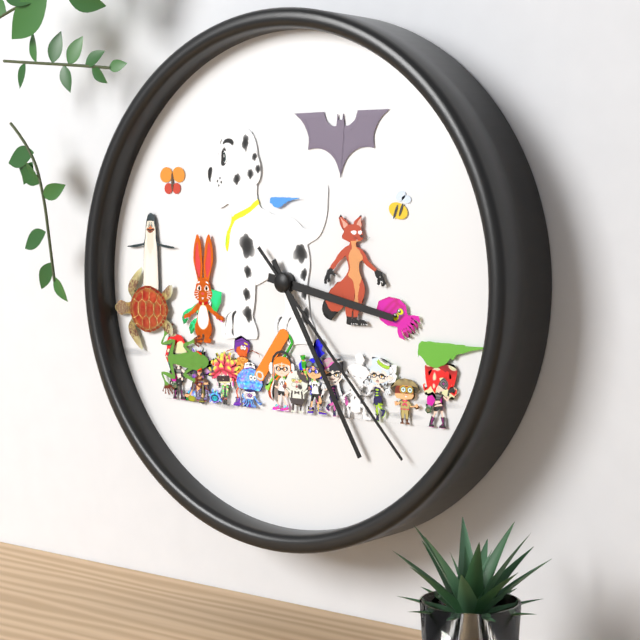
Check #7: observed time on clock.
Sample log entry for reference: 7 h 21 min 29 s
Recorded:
3 h 25 min 23 s
